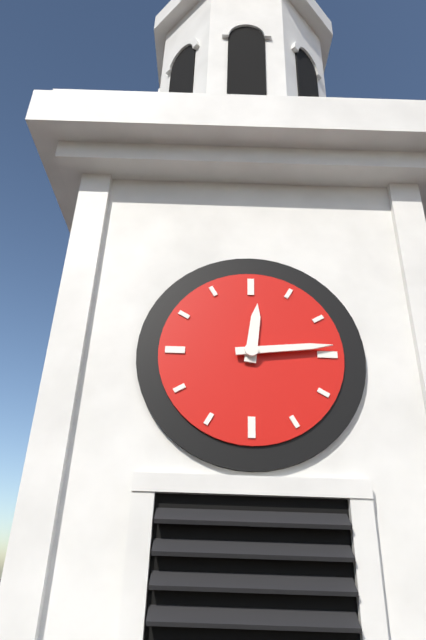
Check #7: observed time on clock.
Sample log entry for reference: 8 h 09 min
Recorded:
12 h 14 min
